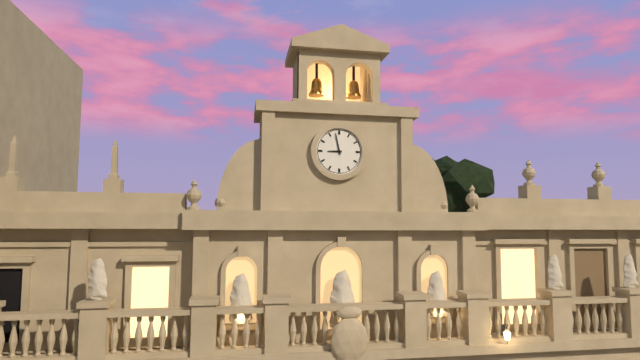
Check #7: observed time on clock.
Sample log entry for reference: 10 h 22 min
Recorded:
8 h 58 min
